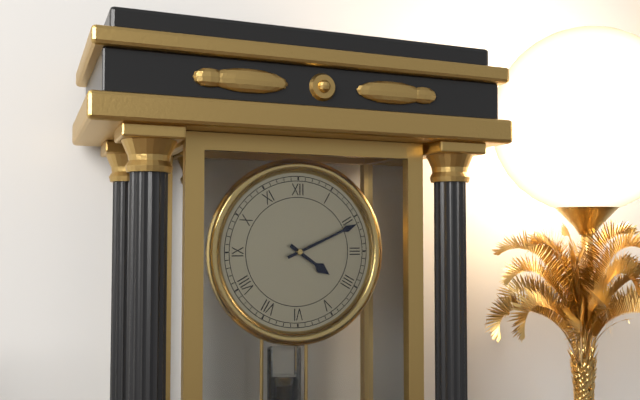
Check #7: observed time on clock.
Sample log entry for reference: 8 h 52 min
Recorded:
4 h 11 min
